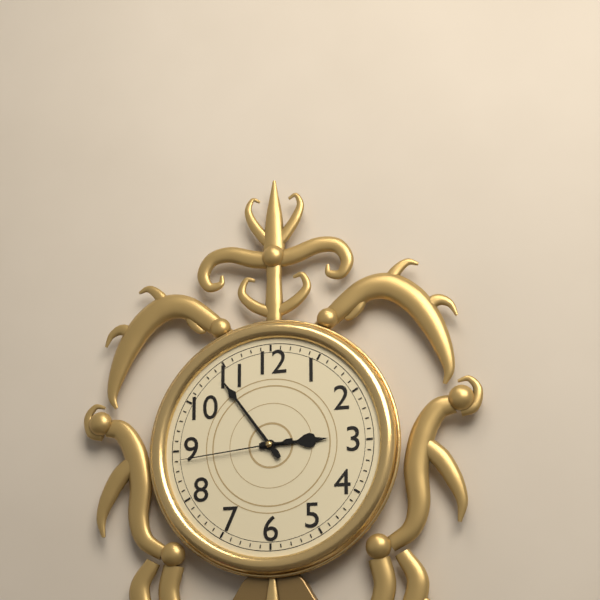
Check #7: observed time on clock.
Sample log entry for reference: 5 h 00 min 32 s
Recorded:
2 h 54 min 44 s
